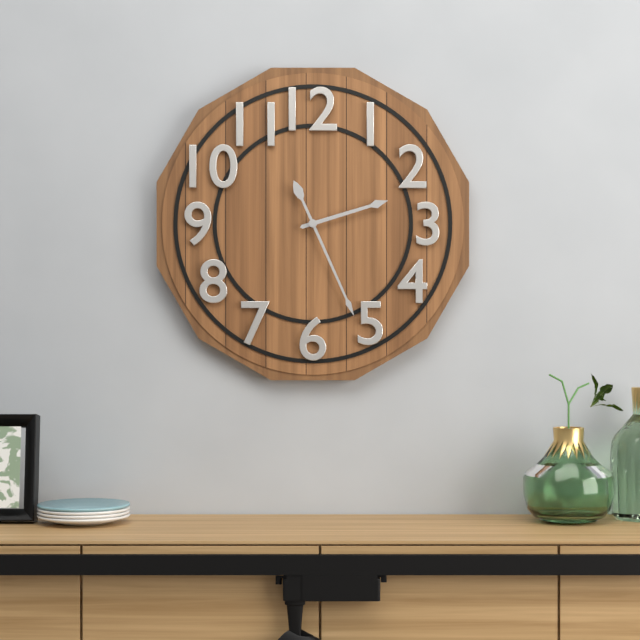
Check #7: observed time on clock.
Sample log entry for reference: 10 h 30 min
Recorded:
2 h 26 min
